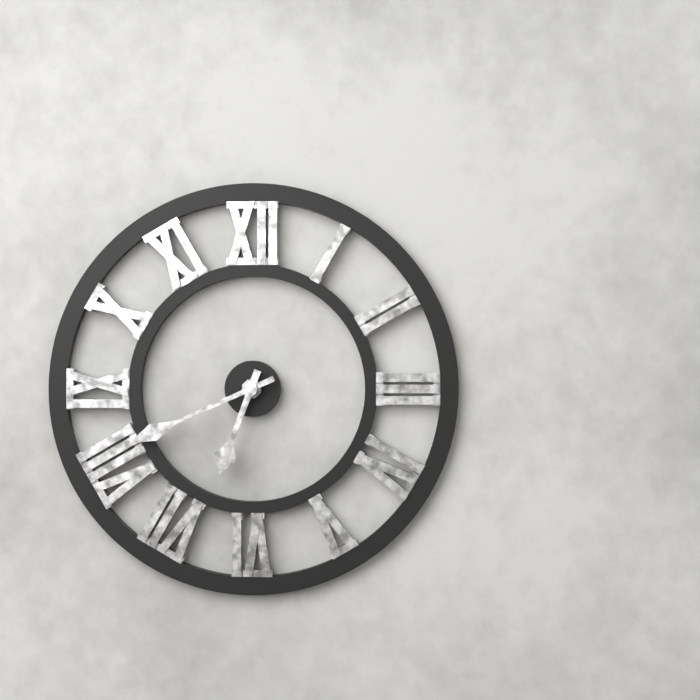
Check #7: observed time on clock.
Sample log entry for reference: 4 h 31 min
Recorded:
6 h 41 min
